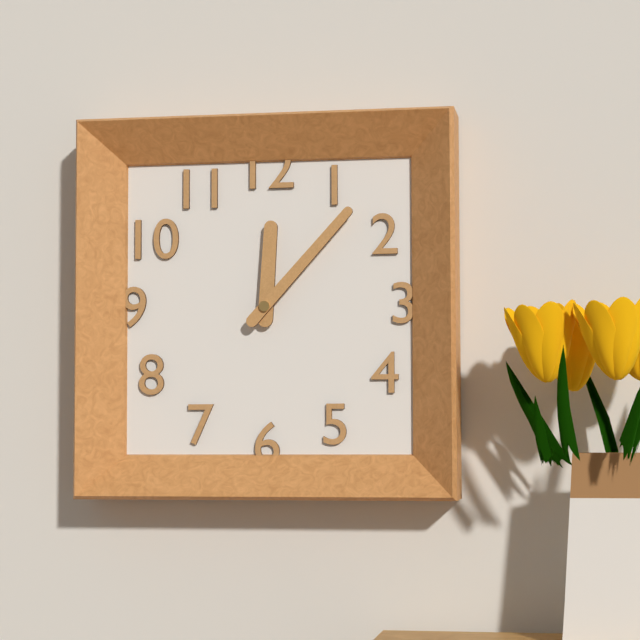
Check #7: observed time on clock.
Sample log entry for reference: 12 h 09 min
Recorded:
12 h 07 min
